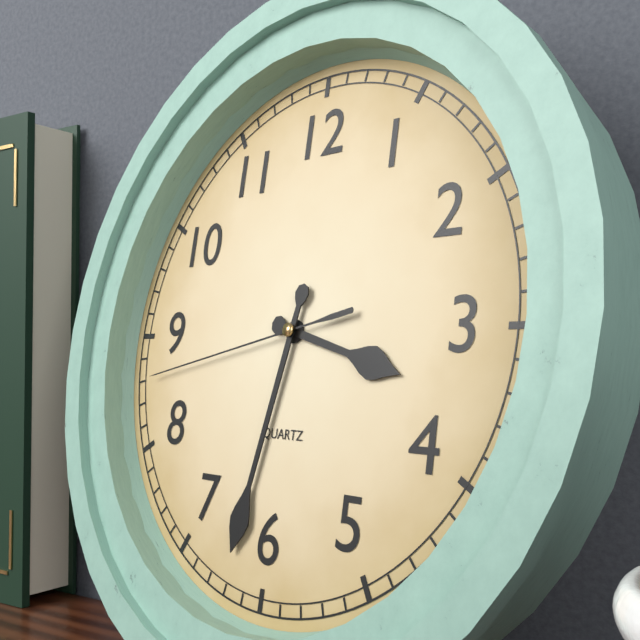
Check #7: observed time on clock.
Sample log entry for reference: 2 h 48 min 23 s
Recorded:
3 h 32 min 43 s
